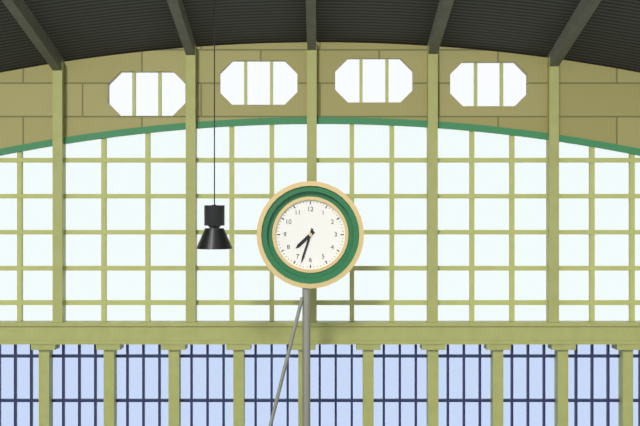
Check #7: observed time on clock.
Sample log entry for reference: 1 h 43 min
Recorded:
7 h 33 min
